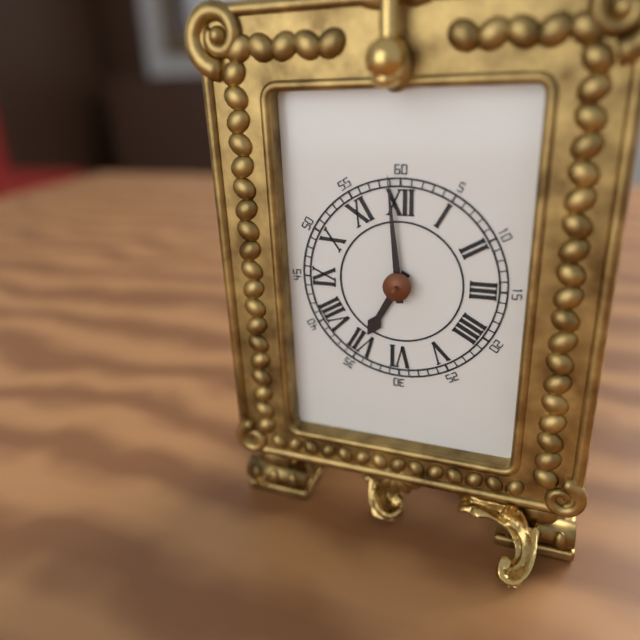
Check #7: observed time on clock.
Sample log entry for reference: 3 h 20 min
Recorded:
6 h 59 min
